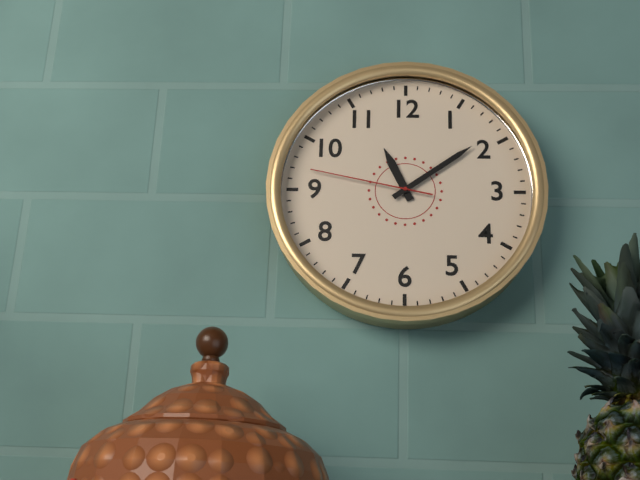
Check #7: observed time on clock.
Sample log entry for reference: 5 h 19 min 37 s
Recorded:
11 h 09 min 47 s
